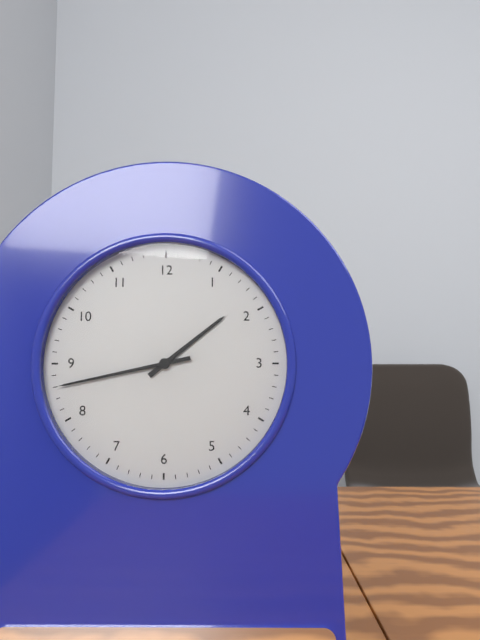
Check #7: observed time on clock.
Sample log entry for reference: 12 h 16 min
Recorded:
1 h 43 min
